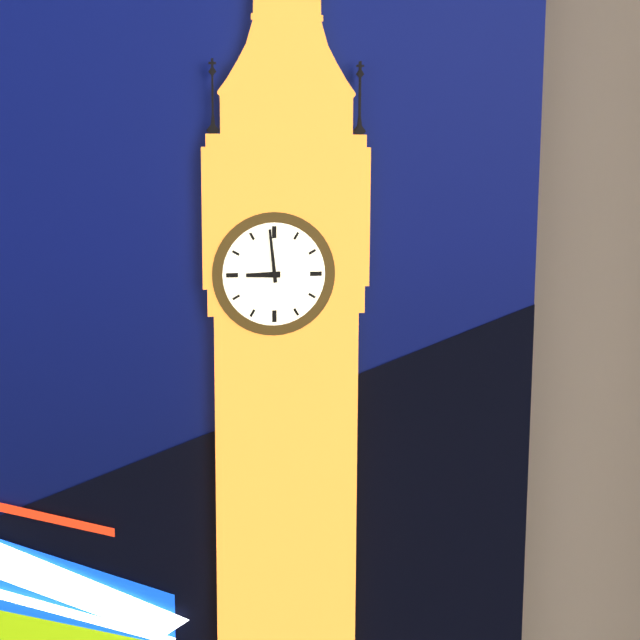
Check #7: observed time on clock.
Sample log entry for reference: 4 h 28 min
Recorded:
8 h 59 min
